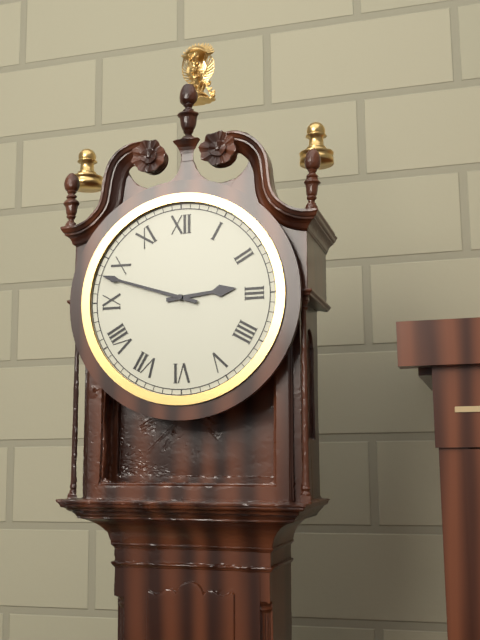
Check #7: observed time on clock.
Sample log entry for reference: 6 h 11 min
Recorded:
2 h 48 min
